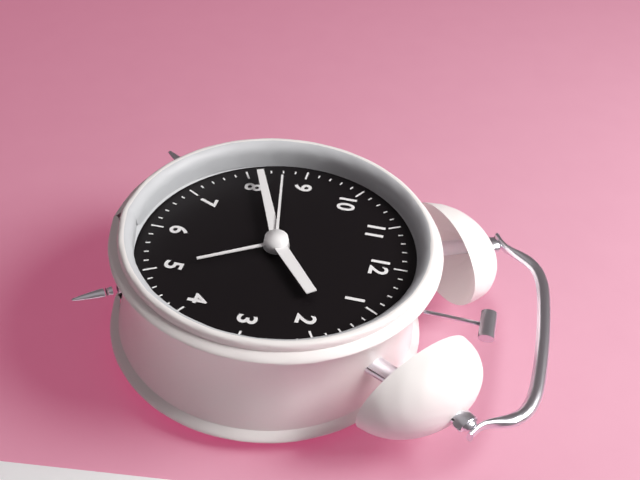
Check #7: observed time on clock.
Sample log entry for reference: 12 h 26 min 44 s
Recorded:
1 h 41 min 43 s
